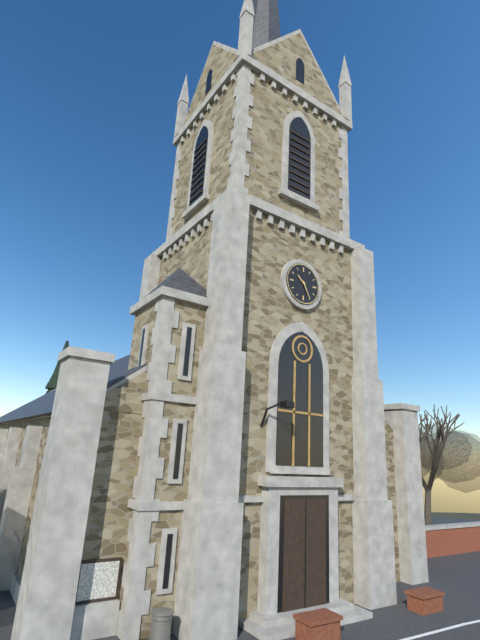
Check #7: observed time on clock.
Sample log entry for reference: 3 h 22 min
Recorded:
10 h 25 min
